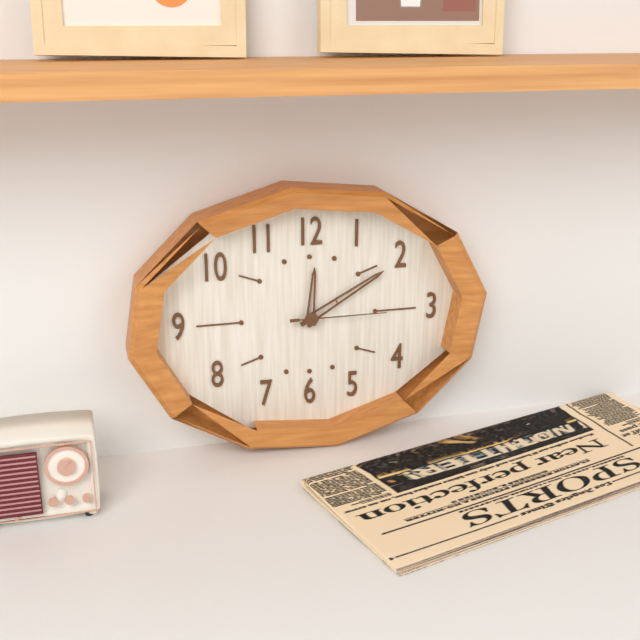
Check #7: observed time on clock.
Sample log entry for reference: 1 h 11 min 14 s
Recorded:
12 h 10 min 15 s
